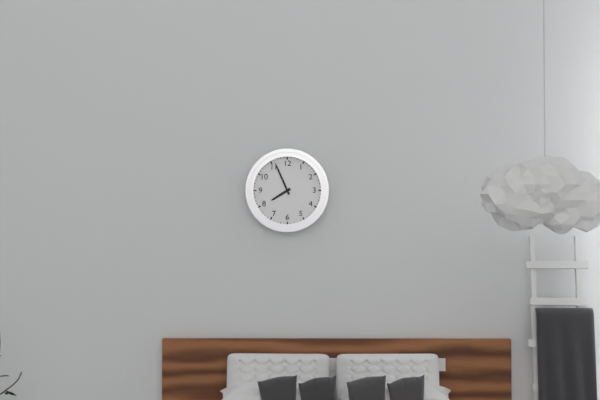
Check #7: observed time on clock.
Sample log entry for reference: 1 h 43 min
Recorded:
7 h 56 min
